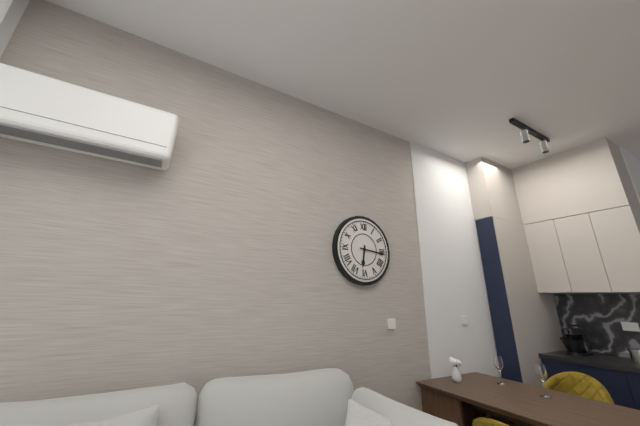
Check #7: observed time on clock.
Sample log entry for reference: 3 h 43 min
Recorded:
6 h 16 min
